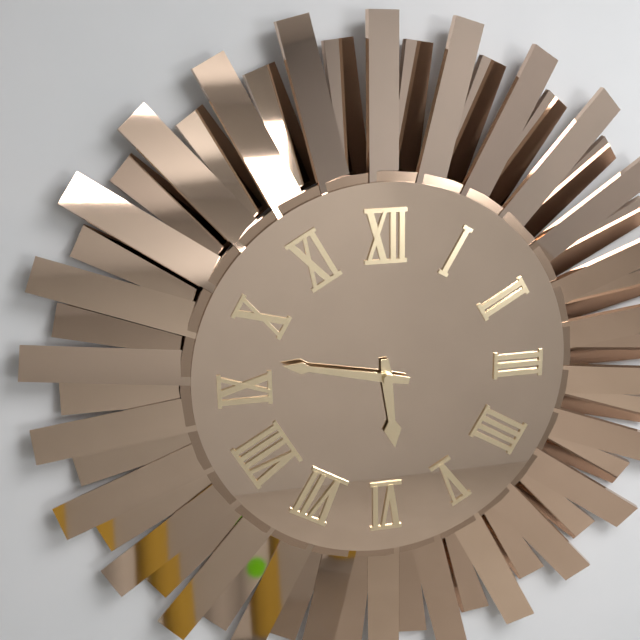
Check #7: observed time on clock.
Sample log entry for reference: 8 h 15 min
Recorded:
5 h 47 min
